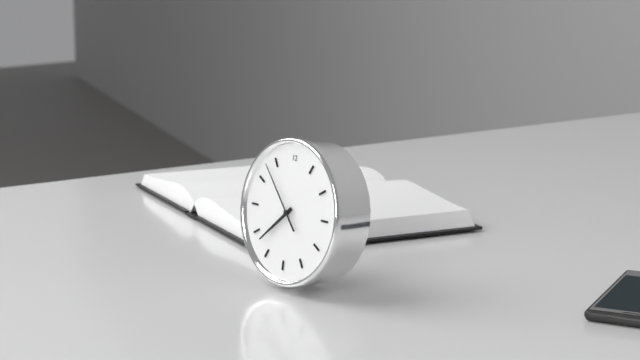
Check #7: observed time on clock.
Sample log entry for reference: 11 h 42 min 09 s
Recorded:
7 h 38 min 53 s
